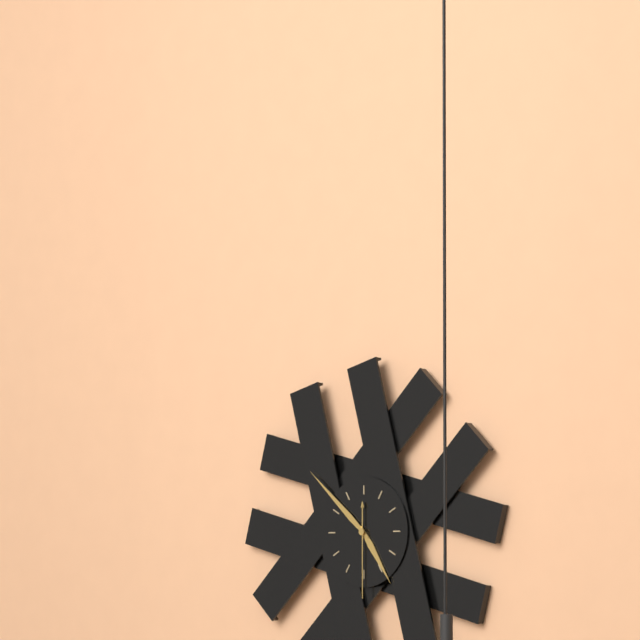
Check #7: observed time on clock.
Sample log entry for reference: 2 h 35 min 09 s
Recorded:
4 h 52 min 30 s
